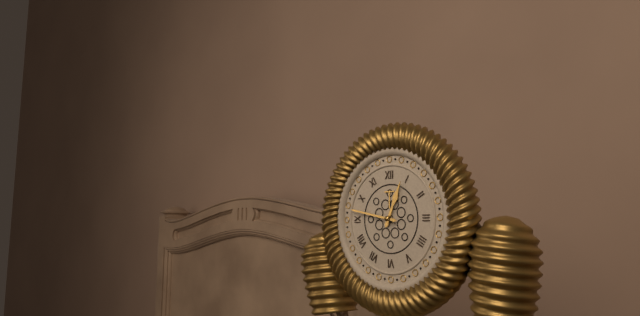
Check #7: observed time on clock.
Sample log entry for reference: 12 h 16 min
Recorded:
12 h 47 min
